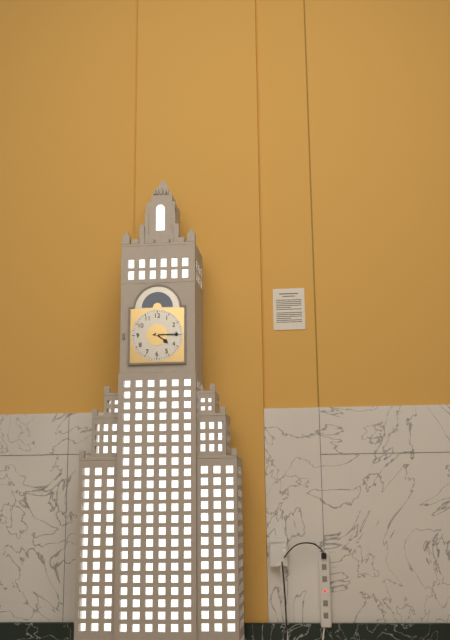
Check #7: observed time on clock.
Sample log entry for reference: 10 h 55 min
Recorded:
4 h 15 min
